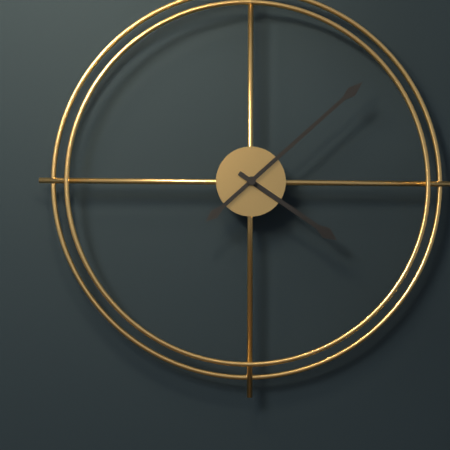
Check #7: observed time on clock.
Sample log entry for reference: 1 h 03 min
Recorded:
4 h 08 min
